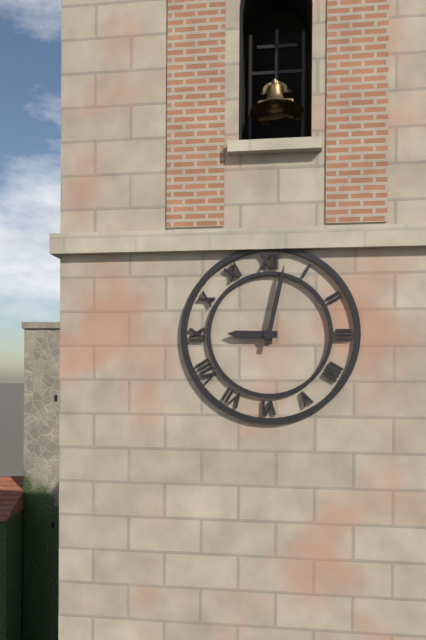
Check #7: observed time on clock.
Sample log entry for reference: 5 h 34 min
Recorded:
9 h 02 min
